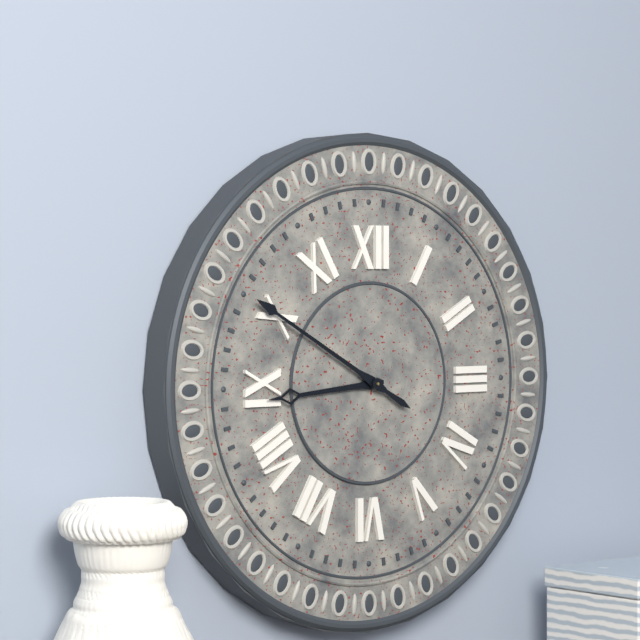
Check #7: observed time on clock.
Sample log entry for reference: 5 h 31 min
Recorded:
8 h 50 min
